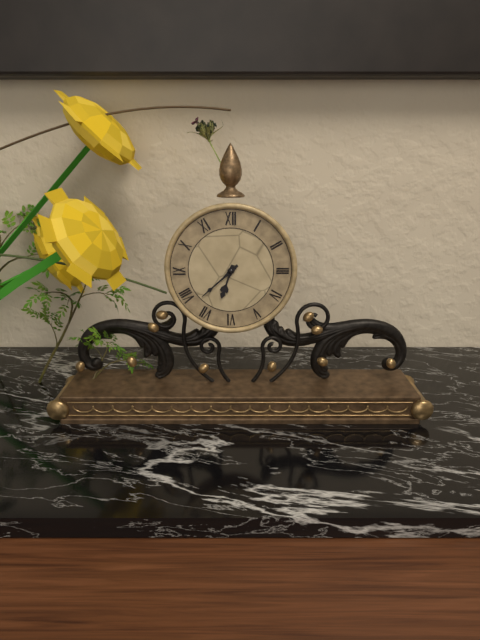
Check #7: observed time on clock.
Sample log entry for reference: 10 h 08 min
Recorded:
6 h 38 min
